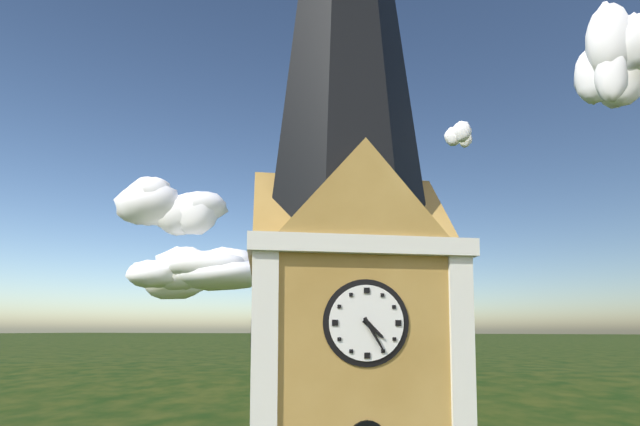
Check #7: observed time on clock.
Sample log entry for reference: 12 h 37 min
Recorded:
4 h 25 min
